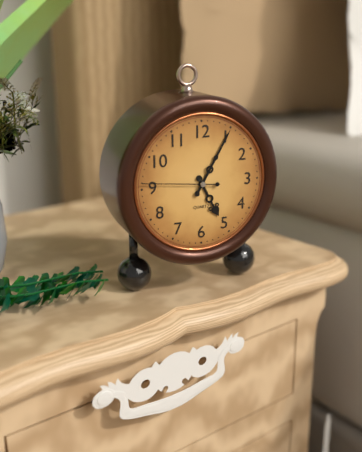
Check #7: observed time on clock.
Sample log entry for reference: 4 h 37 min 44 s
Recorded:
5 h 05 min 46 s
